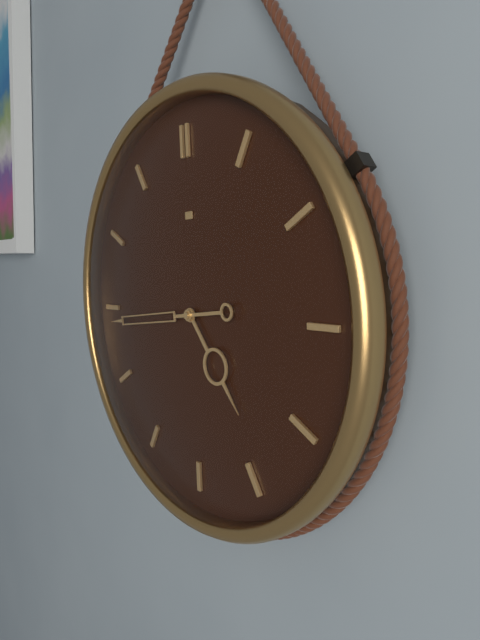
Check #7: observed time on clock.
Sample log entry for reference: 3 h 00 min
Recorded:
4 h 44 min
